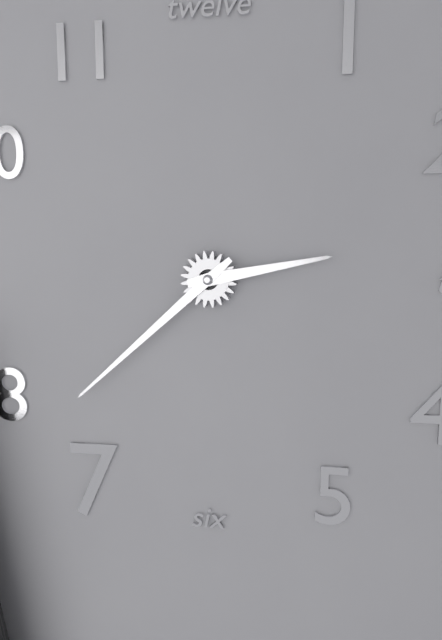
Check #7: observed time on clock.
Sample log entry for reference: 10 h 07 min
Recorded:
2 h 38 min
